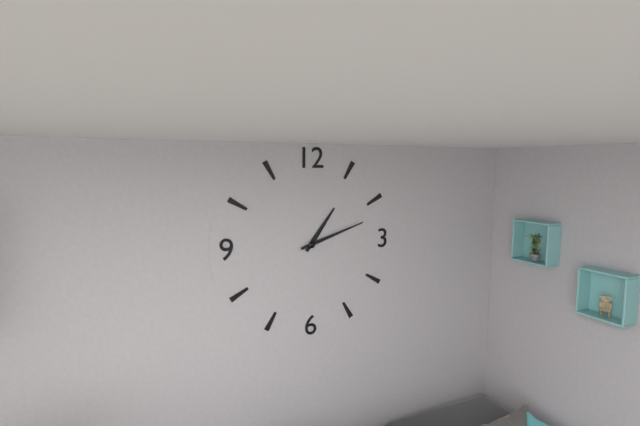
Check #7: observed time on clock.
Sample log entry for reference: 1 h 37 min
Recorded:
1 h 12 min
